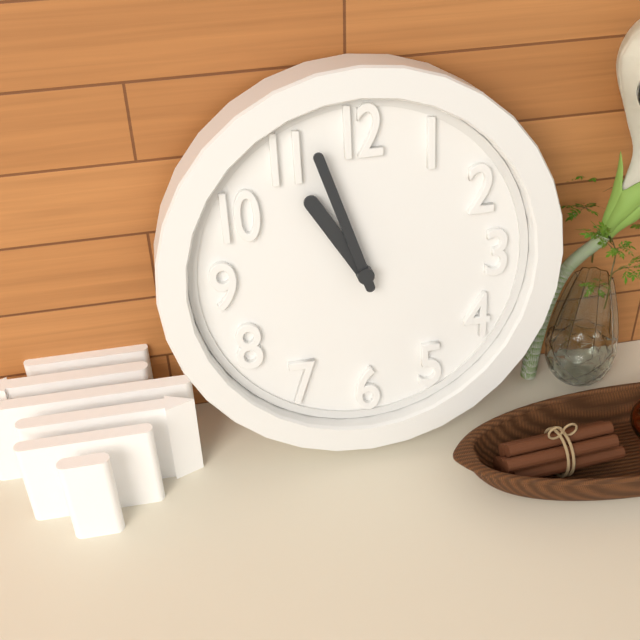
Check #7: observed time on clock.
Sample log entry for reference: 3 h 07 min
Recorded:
10 h 57 min
